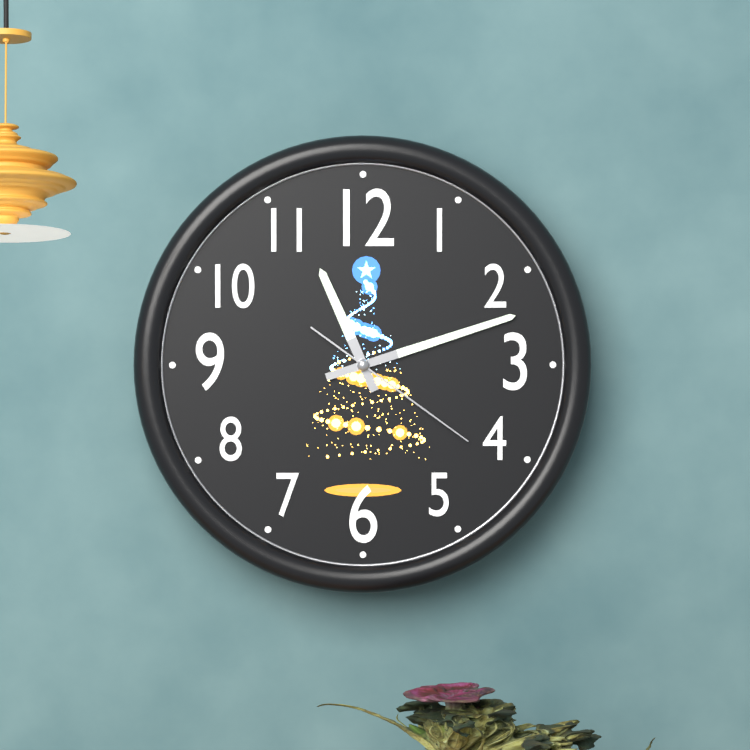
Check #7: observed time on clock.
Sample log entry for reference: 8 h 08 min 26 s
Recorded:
11 h 12 min 21 s
